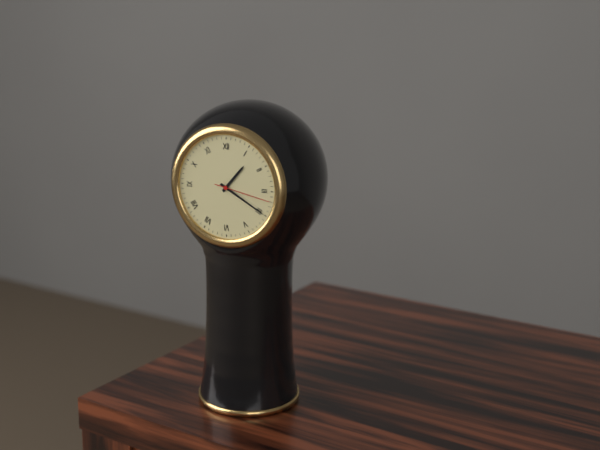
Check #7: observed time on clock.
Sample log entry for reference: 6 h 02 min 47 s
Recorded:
1 h 20 min 17 s
